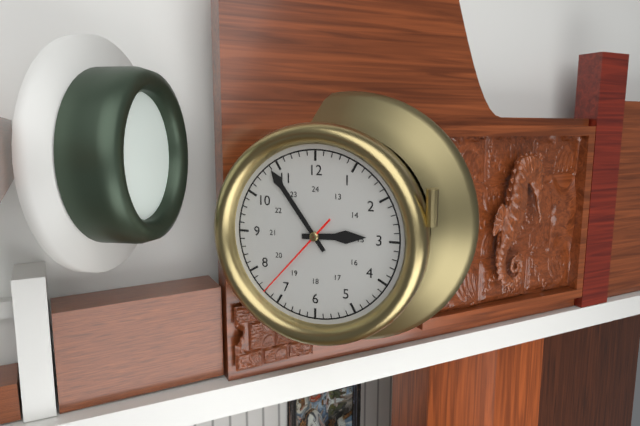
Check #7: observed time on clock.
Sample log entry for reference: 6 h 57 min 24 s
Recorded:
2 h 54 min 37 s
